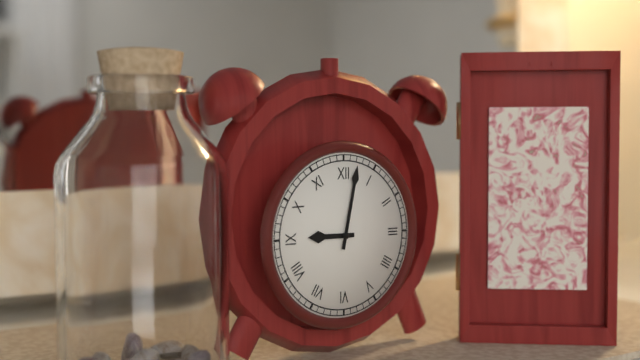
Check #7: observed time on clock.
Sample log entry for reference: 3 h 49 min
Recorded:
9 h 02 min
